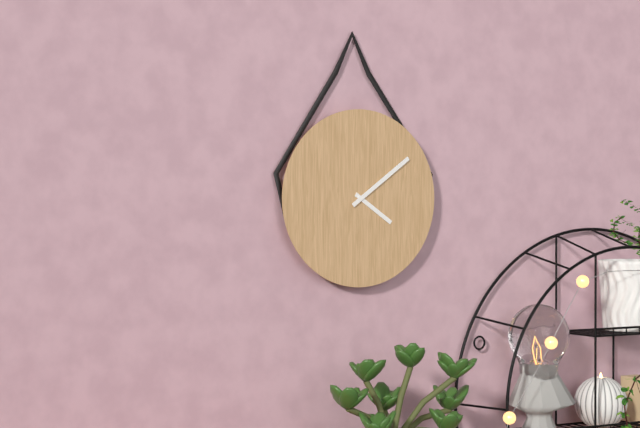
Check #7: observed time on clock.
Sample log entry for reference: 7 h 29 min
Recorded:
4 h 09 min
